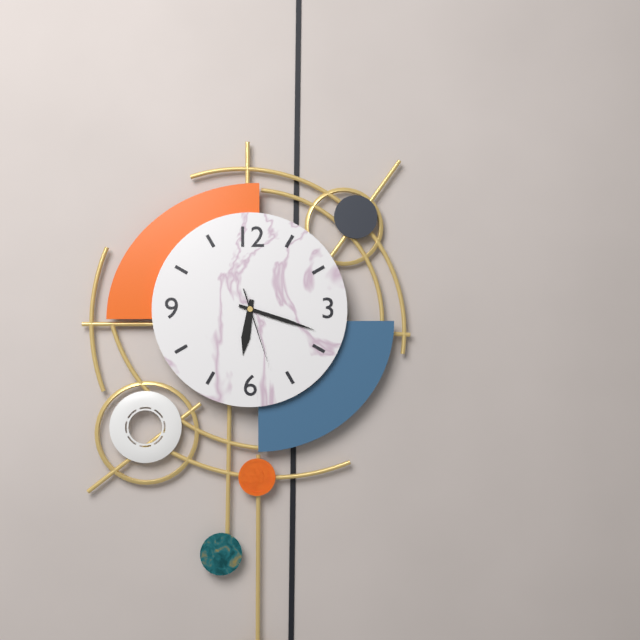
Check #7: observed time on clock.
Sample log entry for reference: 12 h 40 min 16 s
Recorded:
6 h 18 min 27 s
